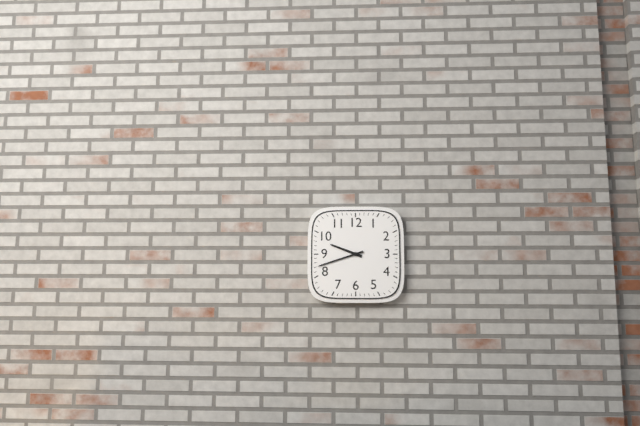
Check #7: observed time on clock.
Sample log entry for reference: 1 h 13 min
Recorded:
9 h 42 min
